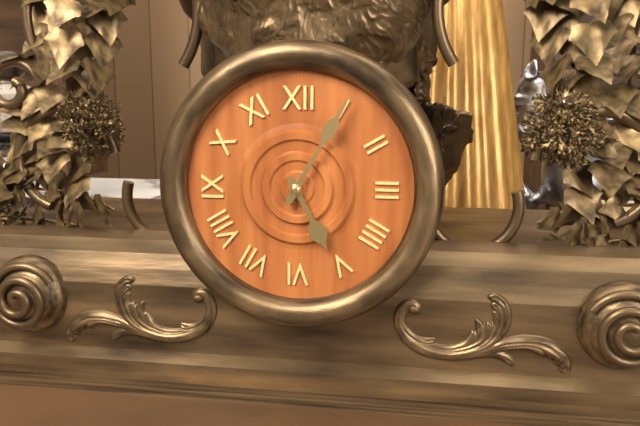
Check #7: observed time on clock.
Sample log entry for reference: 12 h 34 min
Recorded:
5 h 05 min
